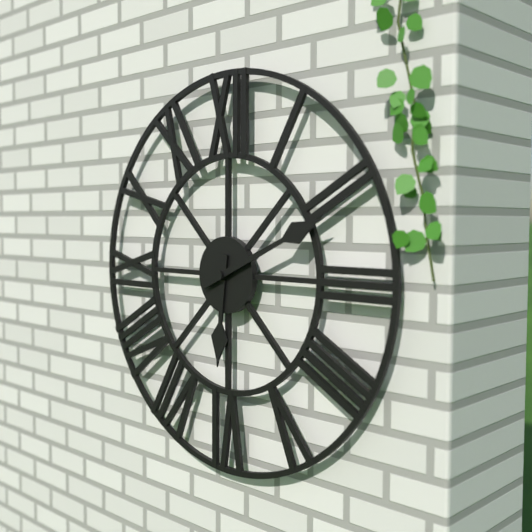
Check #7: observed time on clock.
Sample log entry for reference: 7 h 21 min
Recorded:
6 h 11 min
